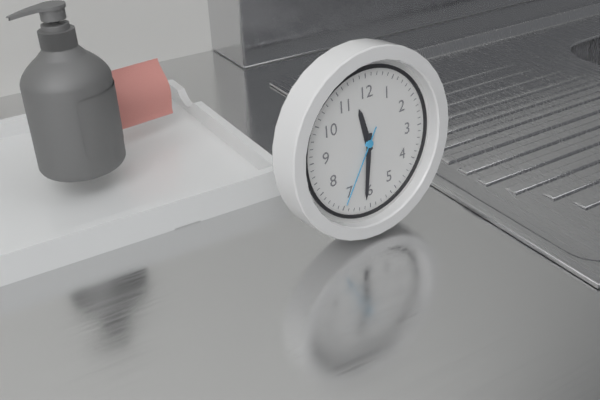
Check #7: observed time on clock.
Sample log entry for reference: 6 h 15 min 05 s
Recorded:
11 h 31 min 35 s
